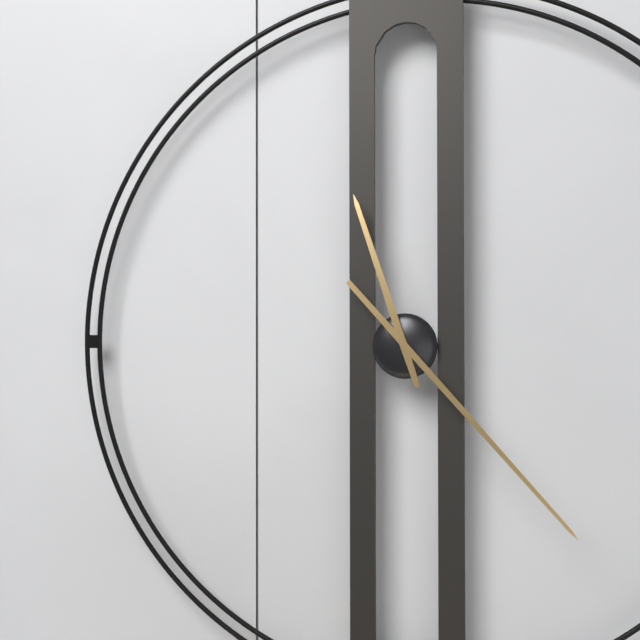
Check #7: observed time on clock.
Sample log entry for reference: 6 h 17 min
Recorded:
11 h 23 min
